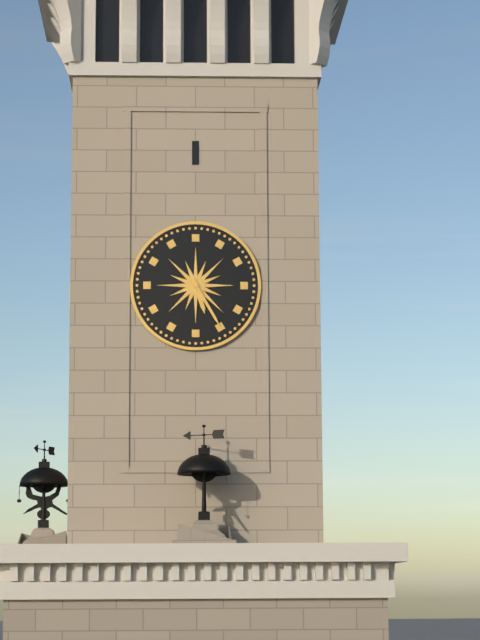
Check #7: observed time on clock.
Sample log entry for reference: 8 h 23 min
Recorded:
5 h 25 min
